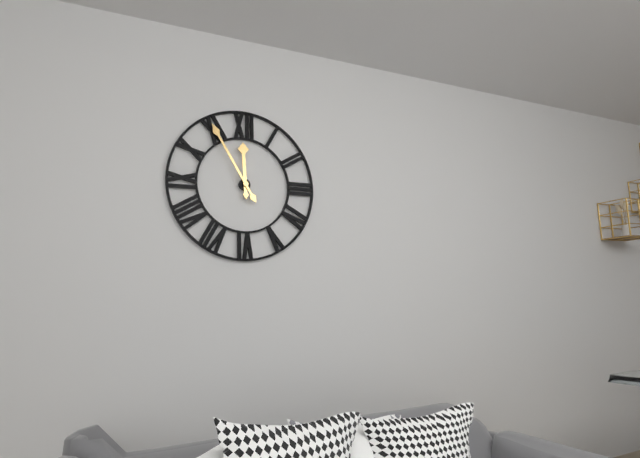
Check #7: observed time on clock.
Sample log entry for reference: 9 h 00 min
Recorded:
11 h 55 min
